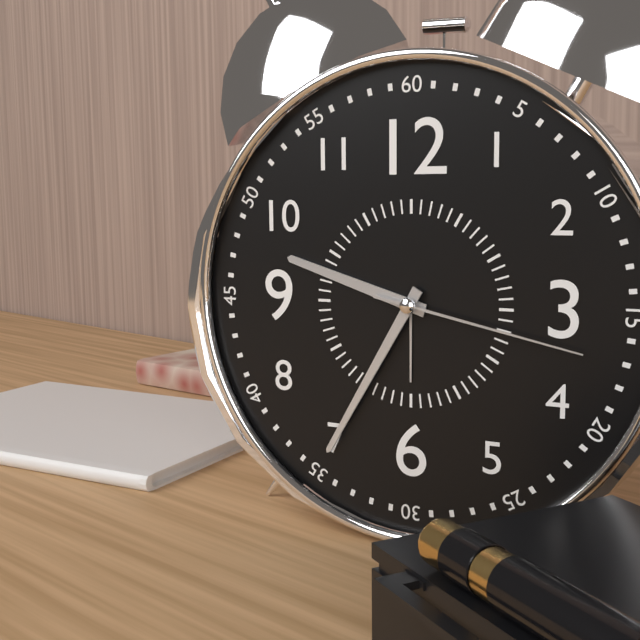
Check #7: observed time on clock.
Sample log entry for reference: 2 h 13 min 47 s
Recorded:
9 h 35 min 17 s
